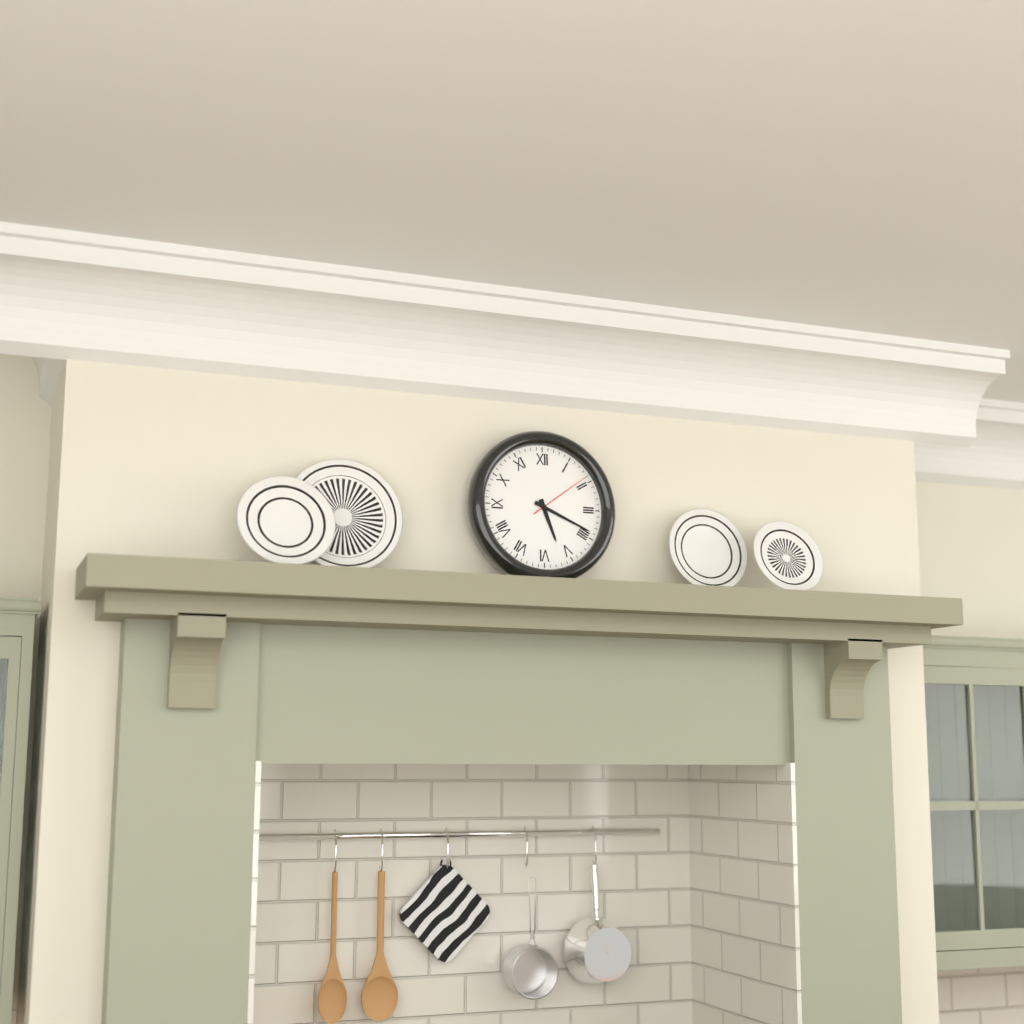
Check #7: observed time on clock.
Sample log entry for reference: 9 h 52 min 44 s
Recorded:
5 h 19 min 09 s
